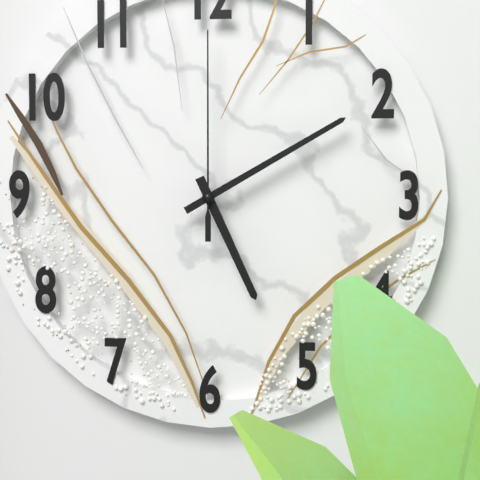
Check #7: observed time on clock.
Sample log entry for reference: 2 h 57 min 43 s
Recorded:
5 h 10 min 00 s
